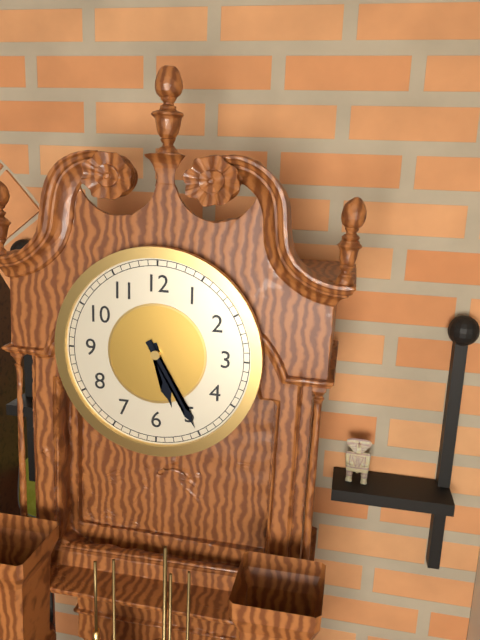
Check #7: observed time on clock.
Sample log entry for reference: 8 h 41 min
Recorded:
5 h 25 min
